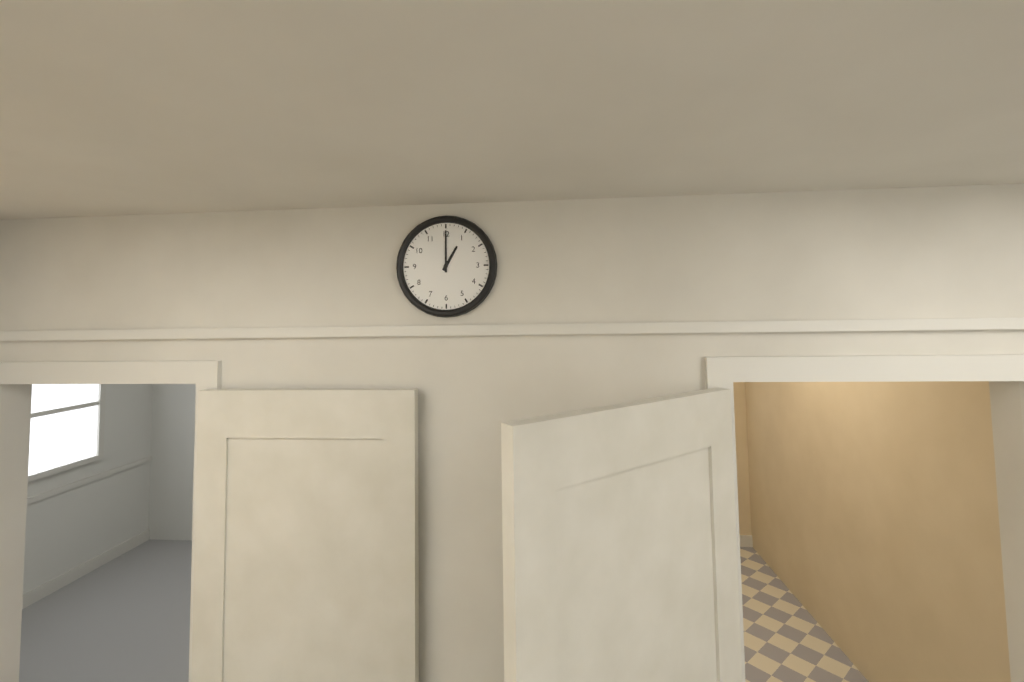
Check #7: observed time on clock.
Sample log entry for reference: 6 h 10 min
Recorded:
1 h 00 min
